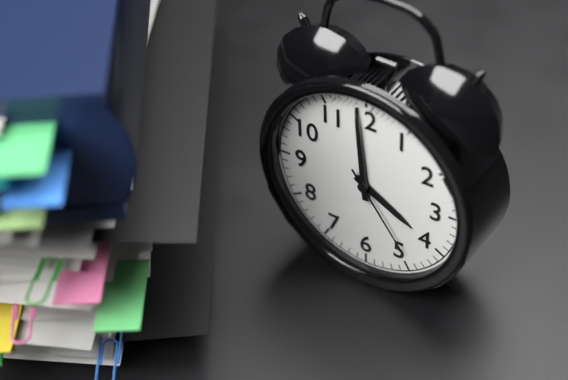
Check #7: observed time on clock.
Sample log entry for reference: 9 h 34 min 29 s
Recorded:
3 h 59 min 24 s
